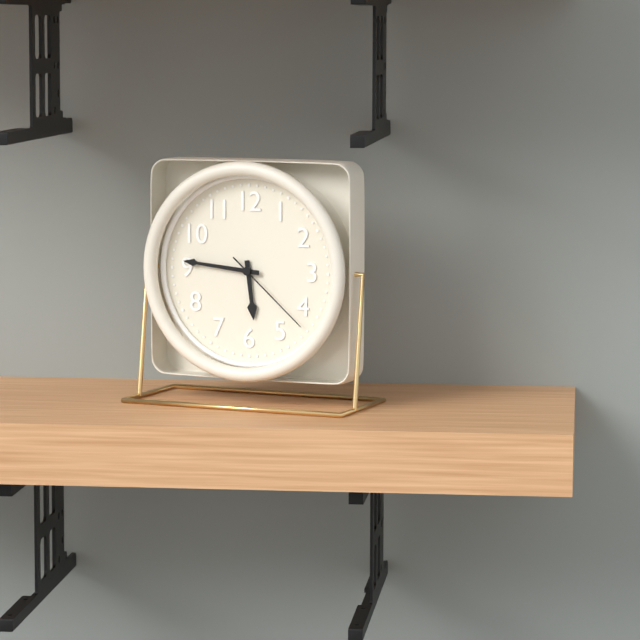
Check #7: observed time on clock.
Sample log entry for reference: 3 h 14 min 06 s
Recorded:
5 h 46 min 22 s
